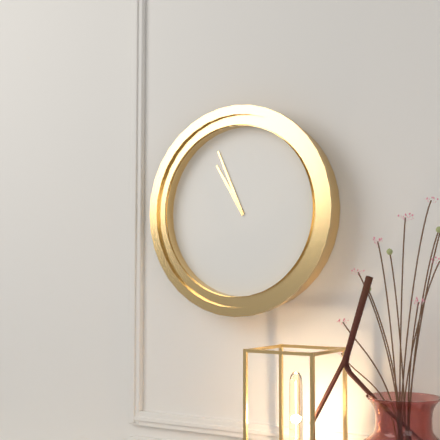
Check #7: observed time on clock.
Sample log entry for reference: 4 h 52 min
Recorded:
10 h 56 min
